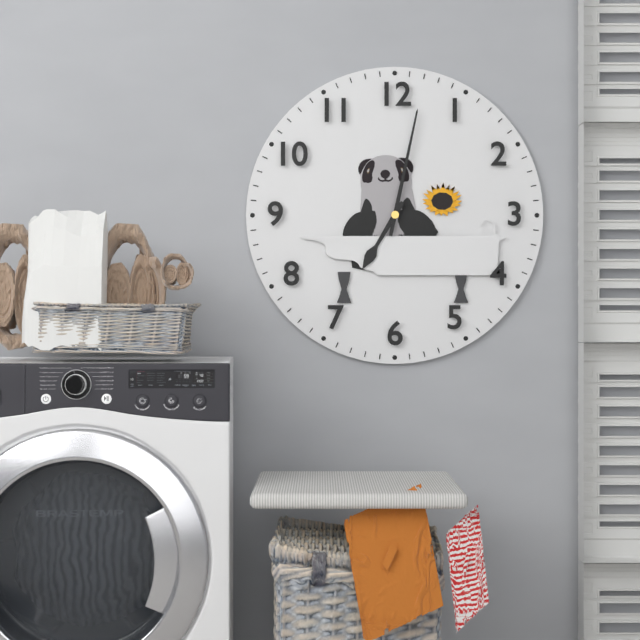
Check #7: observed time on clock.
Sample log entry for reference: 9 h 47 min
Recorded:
7 h 02 min
